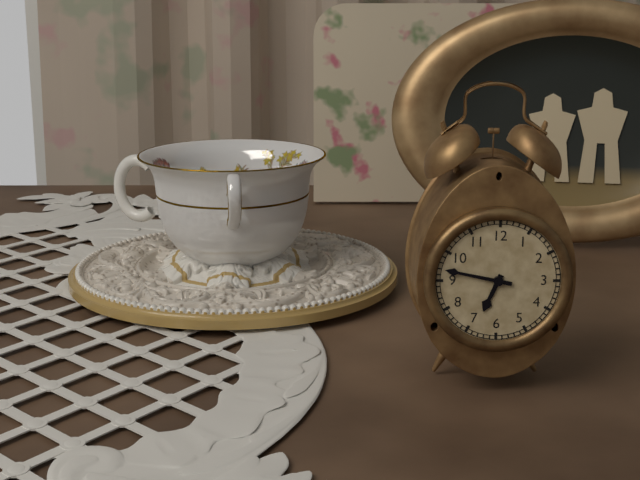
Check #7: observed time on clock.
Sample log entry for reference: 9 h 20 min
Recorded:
6 h 47 min
